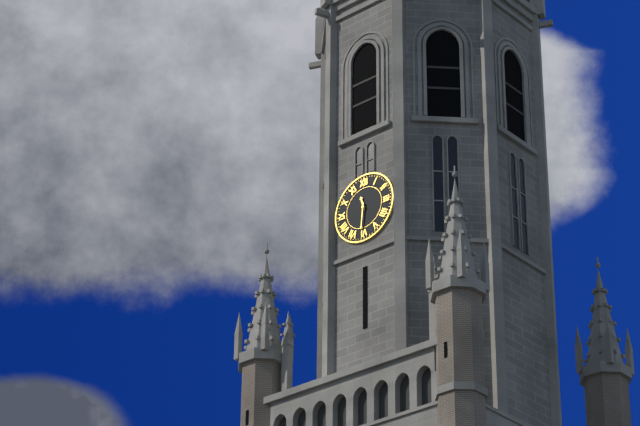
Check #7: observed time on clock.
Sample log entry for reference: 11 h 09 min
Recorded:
11 h 31 min
